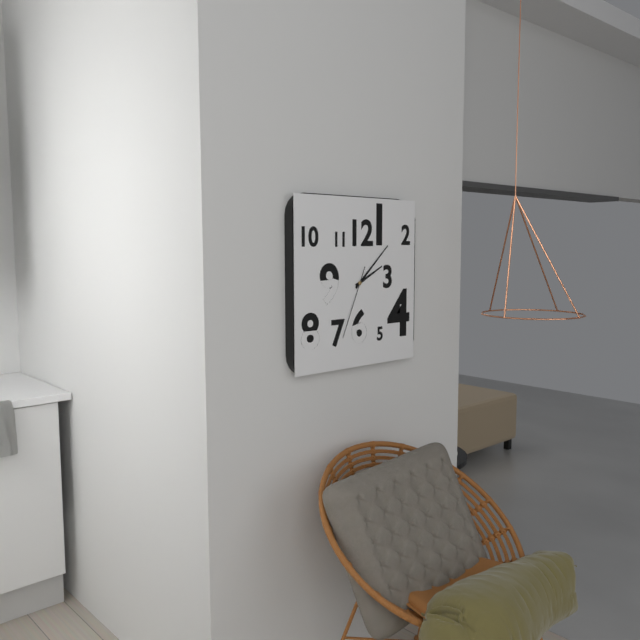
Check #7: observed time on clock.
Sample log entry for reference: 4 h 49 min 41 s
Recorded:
2 h 08 min 34 s
